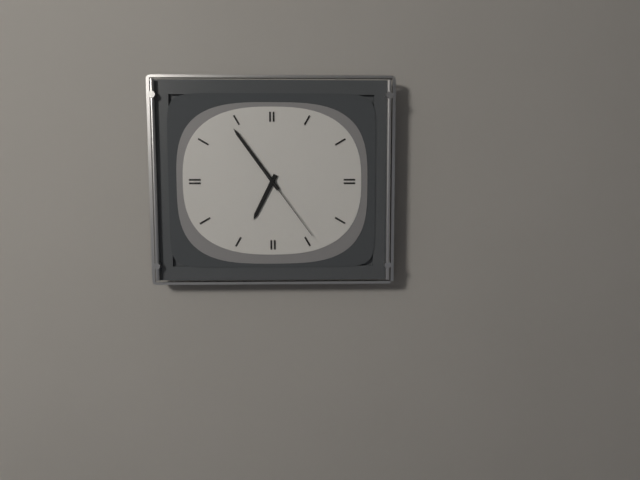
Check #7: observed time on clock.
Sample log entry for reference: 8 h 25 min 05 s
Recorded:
6 h 54 min 24 s
